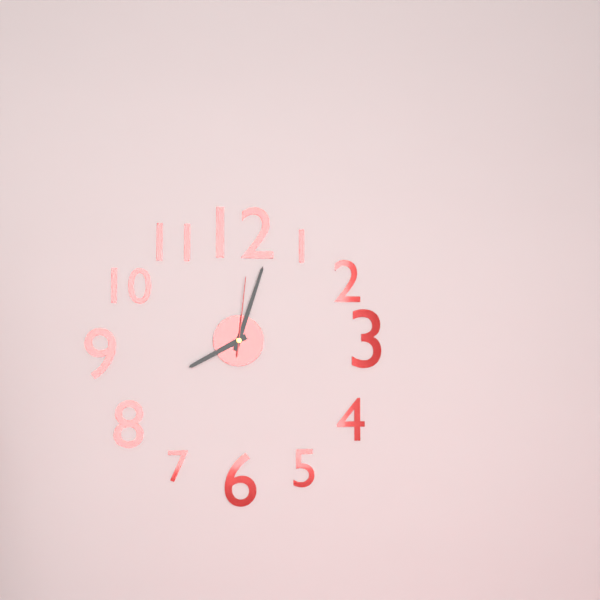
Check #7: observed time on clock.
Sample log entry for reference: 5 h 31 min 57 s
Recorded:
8 h 03 min 01 s
